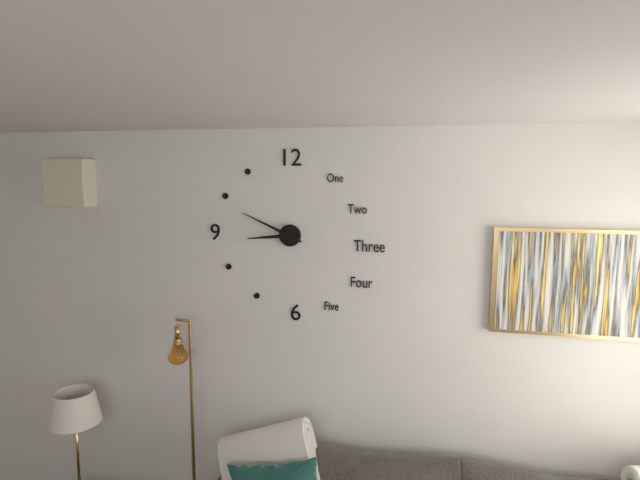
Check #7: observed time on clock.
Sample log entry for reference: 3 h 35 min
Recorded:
8 h 49 min
